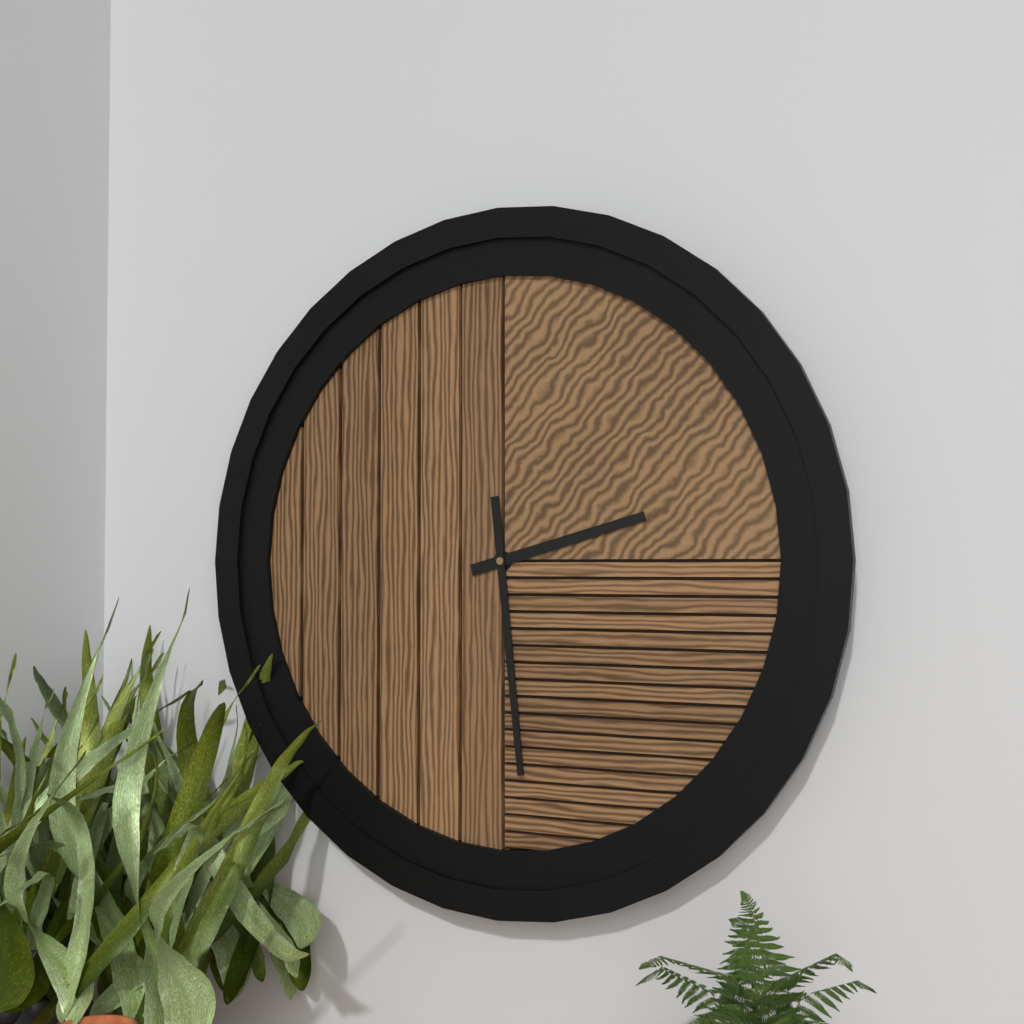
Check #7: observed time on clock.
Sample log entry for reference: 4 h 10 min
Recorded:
2 h 29 min
